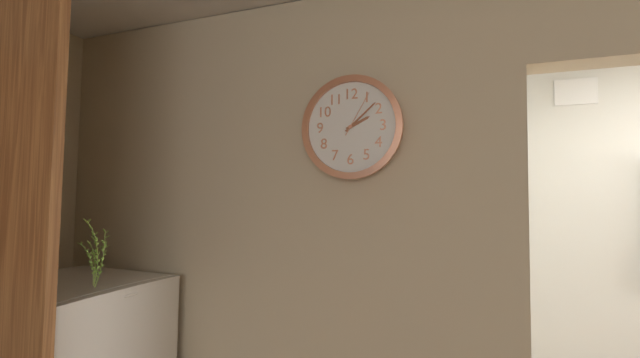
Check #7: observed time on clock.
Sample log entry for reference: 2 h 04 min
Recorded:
2 h 08 min
